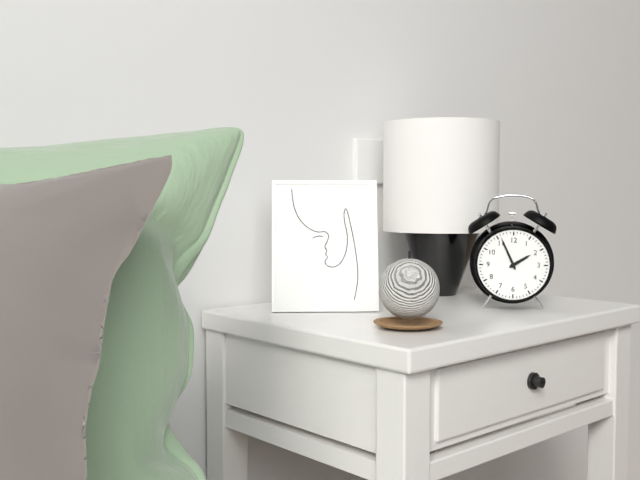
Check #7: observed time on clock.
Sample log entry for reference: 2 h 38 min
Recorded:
1 h 56 min
